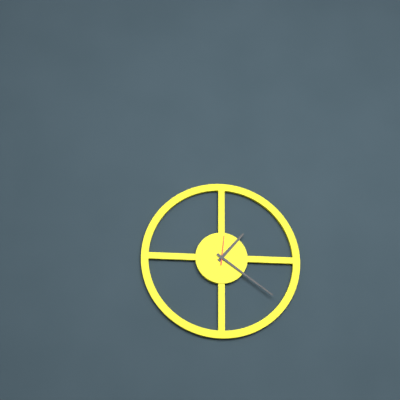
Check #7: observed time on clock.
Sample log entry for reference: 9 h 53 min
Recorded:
1 h 21 min
